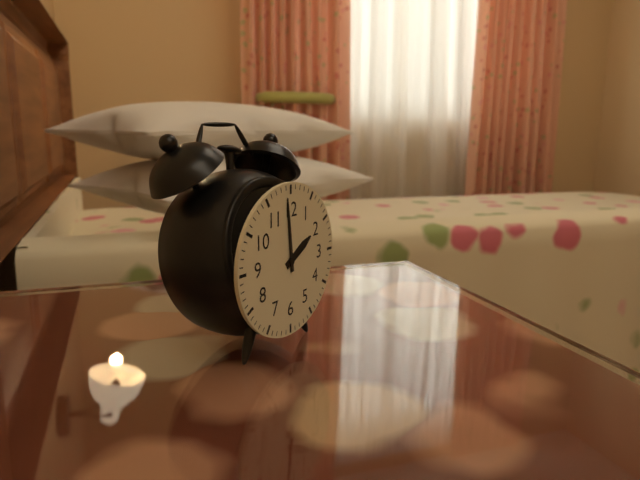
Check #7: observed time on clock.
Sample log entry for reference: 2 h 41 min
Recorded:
1 h 59 min
